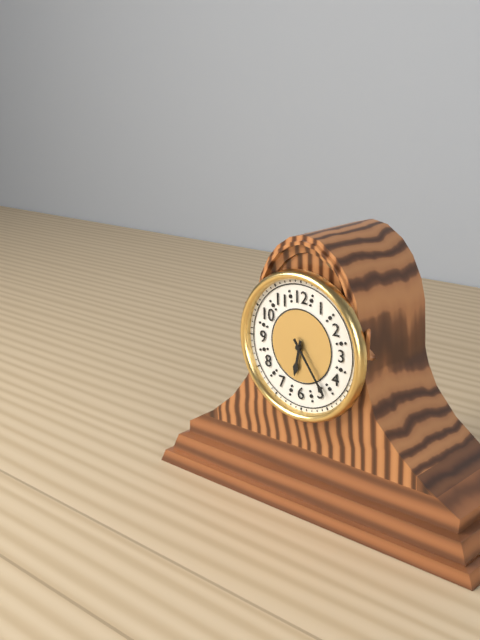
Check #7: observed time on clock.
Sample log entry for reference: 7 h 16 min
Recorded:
6 h 24 min
